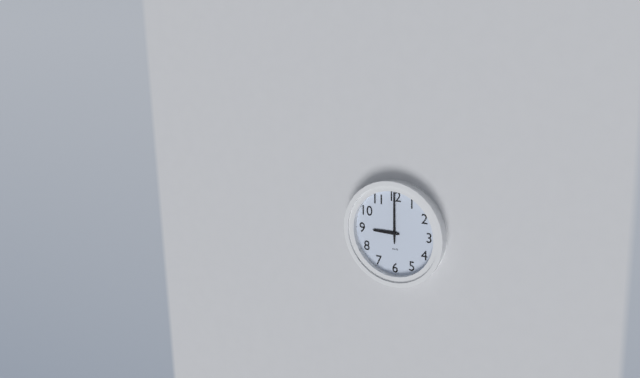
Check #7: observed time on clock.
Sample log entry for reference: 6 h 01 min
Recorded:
9 h 00 min
